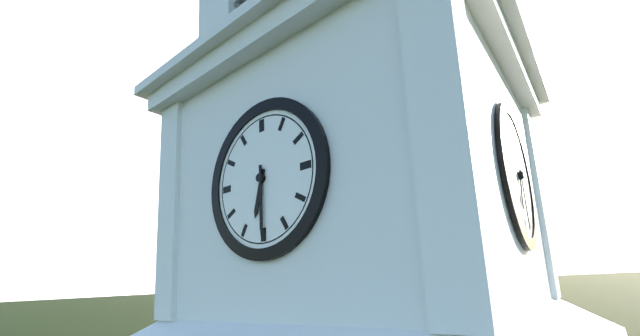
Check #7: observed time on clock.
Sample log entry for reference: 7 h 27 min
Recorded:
6 h 30 min
